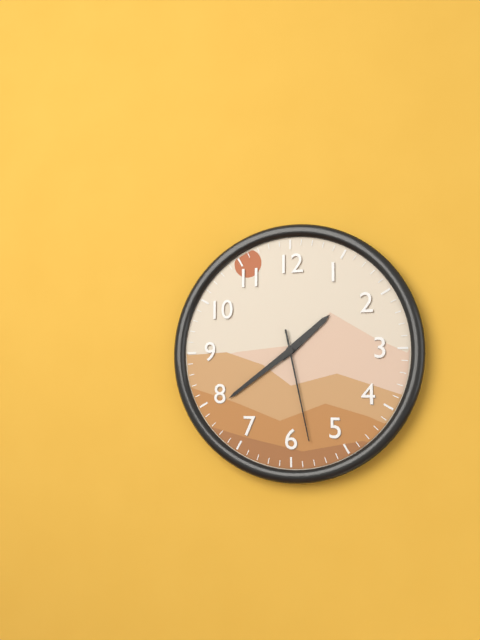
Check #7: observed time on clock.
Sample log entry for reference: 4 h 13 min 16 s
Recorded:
1 h 39 min 28 s
